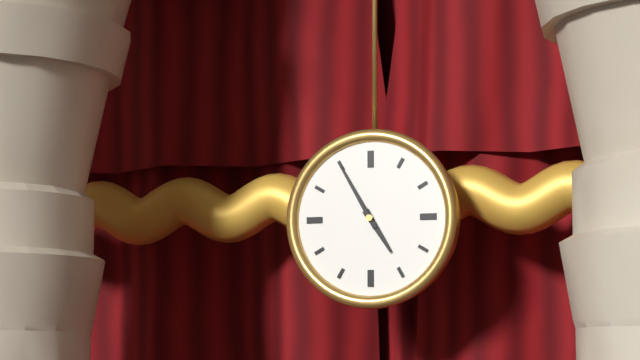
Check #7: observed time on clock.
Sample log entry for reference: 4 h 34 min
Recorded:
4 h 55 min
